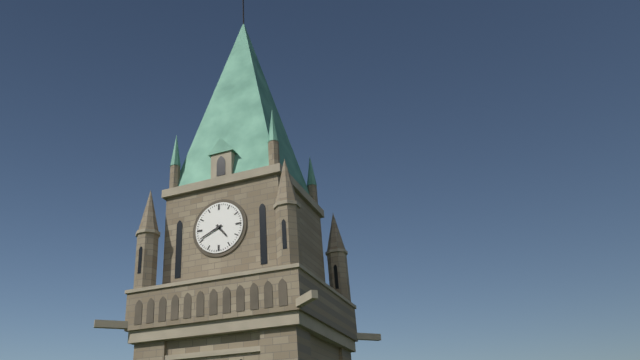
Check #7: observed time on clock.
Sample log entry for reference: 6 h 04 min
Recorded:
4 h 41 min
